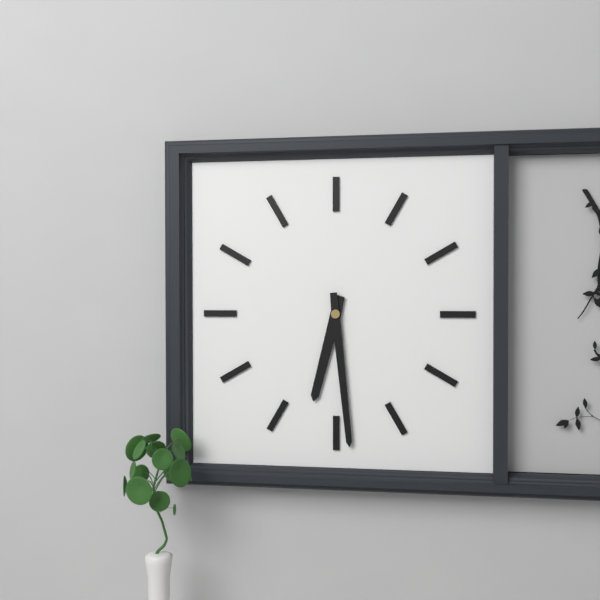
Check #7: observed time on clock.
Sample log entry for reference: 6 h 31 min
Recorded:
6 h 29 min
